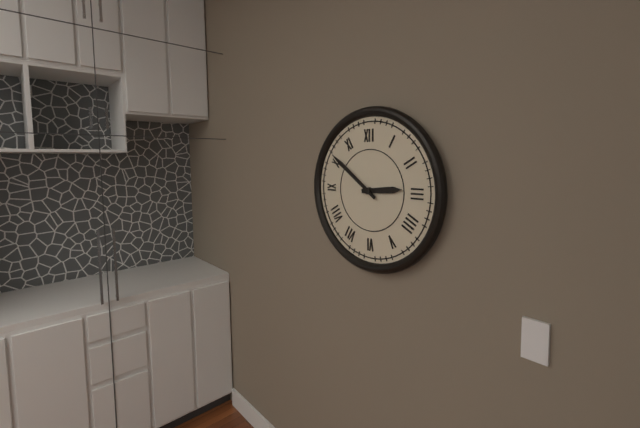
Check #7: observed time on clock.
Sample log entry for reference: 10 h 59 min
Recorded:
2 h 51 min
